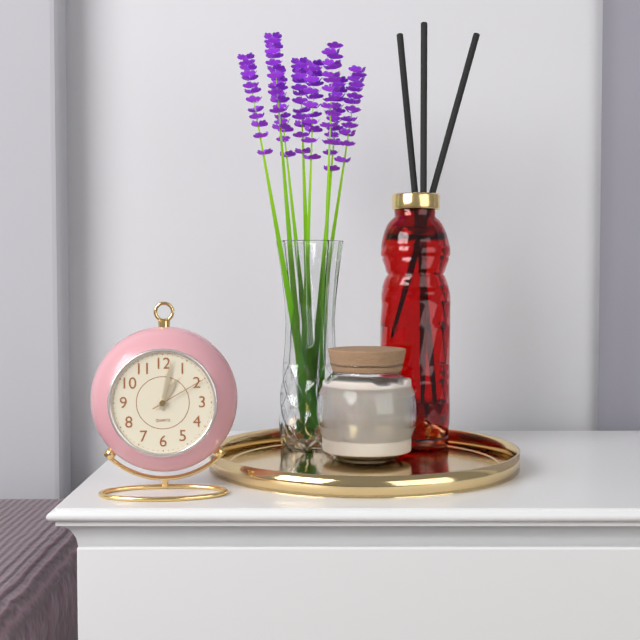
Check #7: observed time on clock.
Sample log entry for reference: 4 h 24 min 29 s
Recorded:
1 h 02 min 10 s
